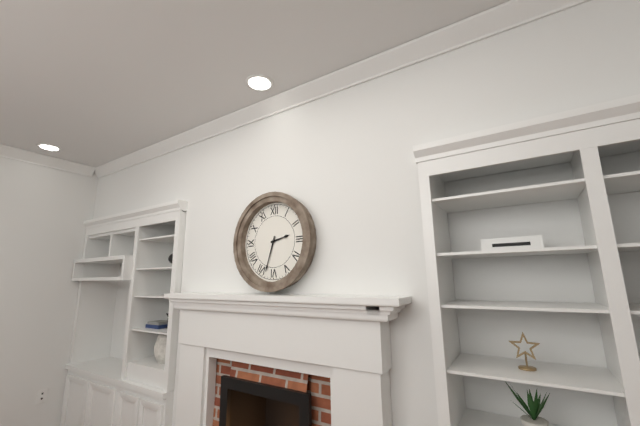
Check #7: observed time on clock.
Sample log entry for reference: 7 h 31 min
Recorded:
2 h 33 min
